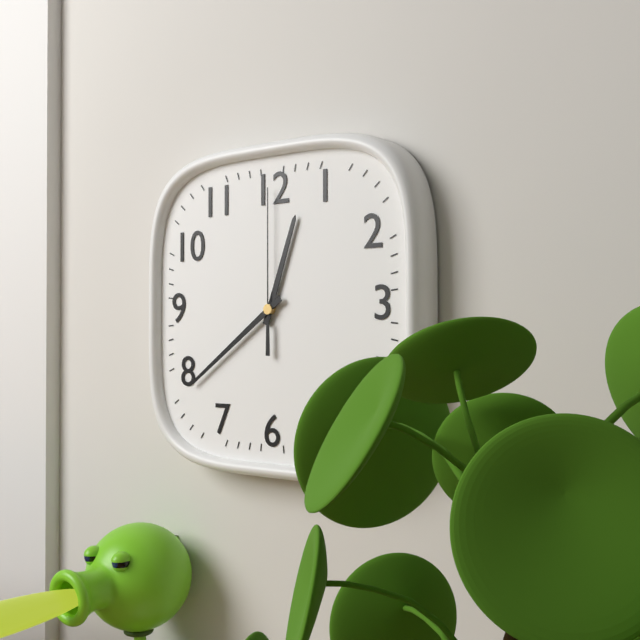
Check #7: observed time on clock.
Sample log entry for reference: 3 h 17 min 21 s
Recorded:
12 h 39 min 00 s
